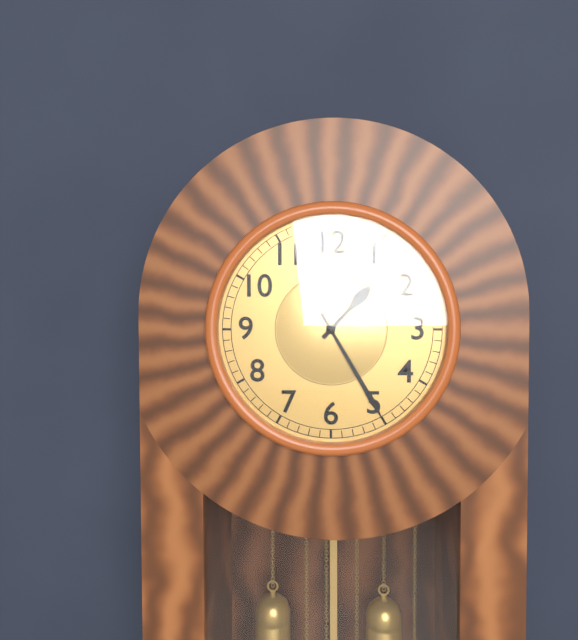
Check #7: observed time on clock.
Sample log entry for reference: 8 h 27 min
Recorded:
1 h 25 min
